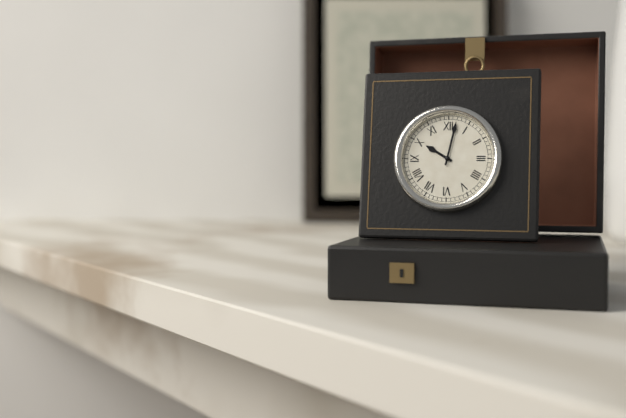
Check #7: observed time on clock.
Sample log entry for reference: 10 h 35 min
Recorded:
10 h 02 min
